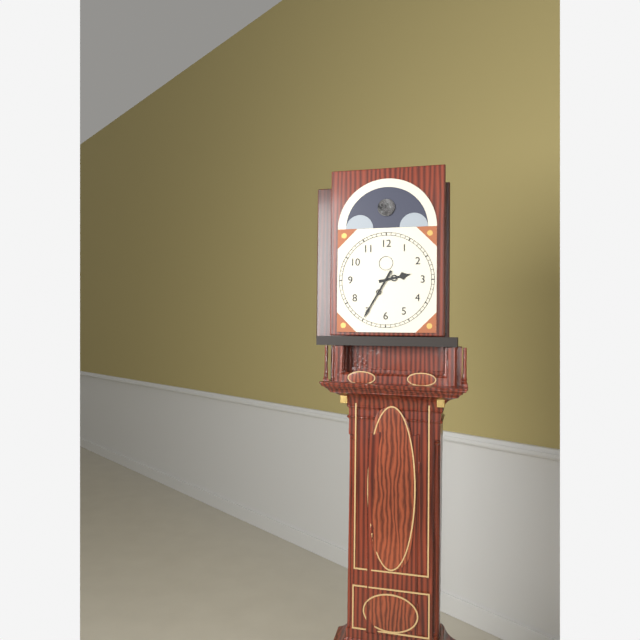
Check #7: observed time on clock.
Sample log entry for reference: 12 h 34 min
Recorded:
2 h 35 min
